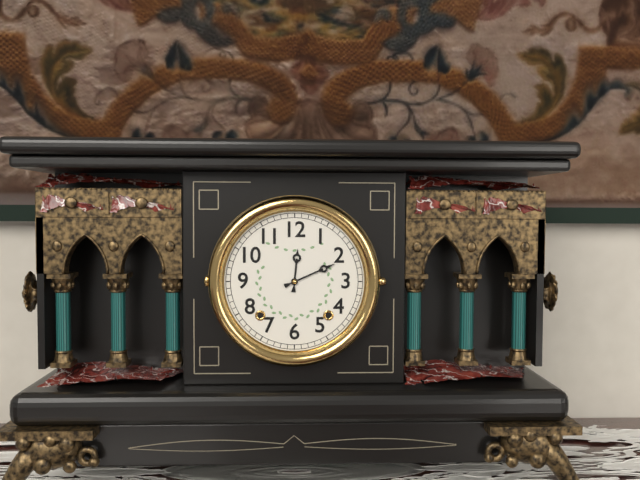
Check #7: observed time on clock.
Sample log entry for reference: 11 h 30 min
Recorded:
12 h 11 min
